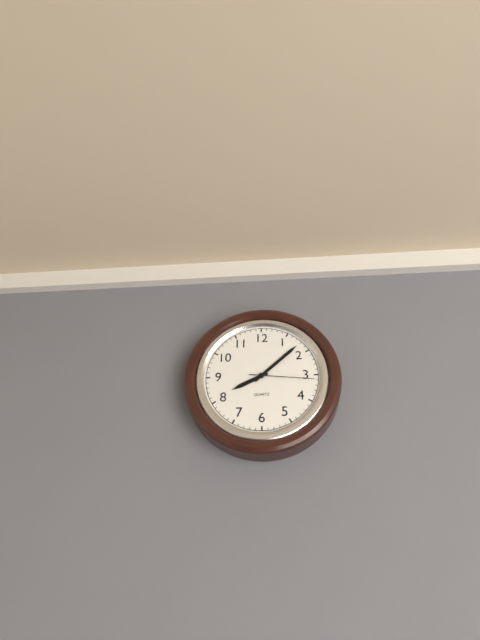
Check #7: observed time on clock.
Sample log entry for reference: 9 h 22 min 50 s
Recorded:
8 h 08 min 16 s
